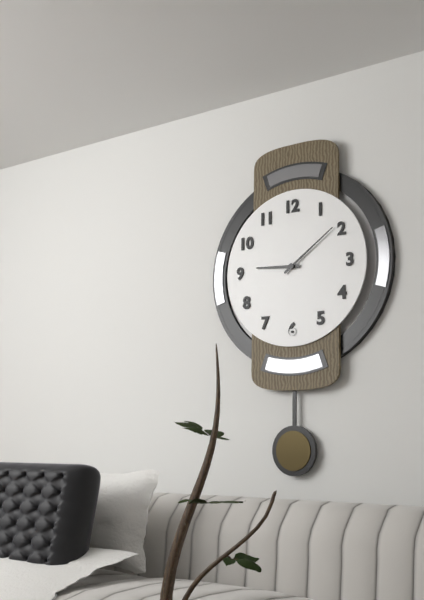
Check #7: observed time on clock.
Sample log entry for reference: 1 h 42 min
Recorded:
9 h 09 min
